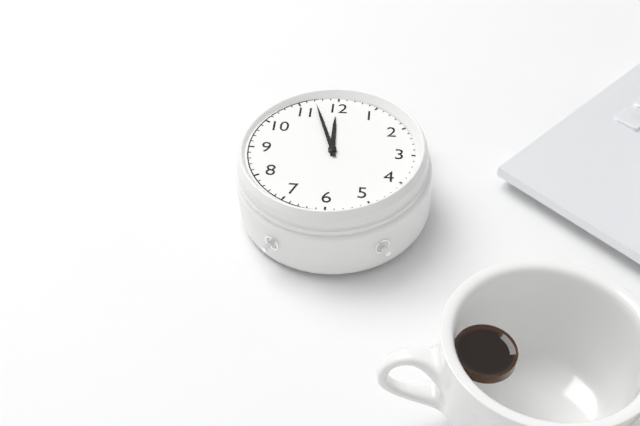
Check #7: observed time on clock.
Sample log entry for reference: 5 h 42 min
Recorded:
11 h 57 min
